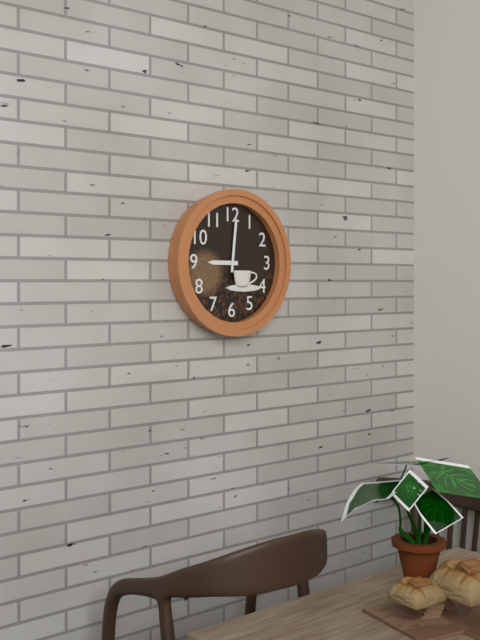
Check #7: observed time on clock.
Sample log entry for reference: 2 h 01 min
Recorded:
9 h 01 min
